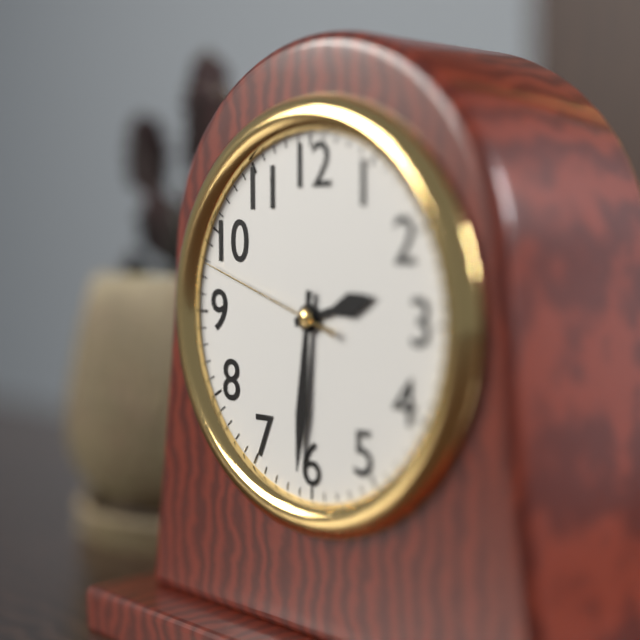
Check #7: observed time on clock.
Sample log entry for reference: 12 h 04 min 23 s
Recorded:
2 h 31 min 48 s
